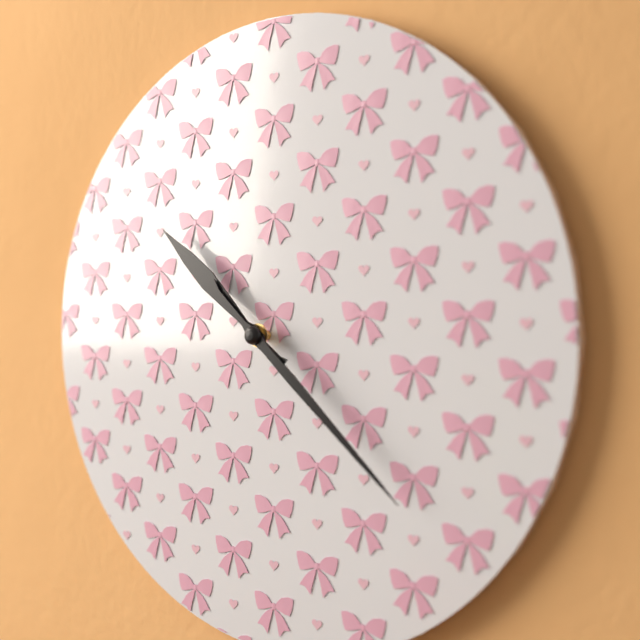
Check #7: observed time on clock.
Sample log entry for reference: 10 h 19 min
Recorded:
10 h 22 min
